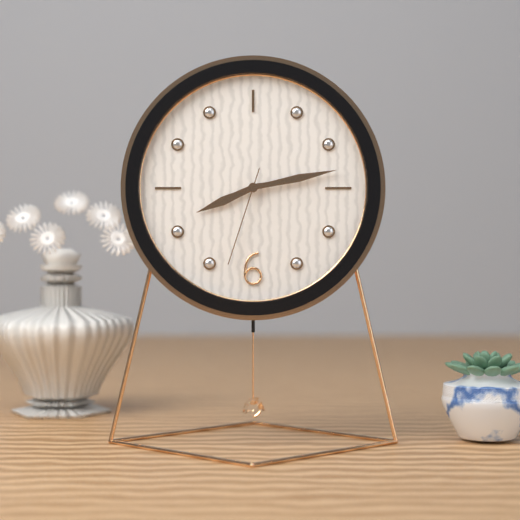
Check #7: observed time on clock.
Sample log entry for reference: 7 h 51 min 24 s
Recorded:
8 h 13 min 33 s
